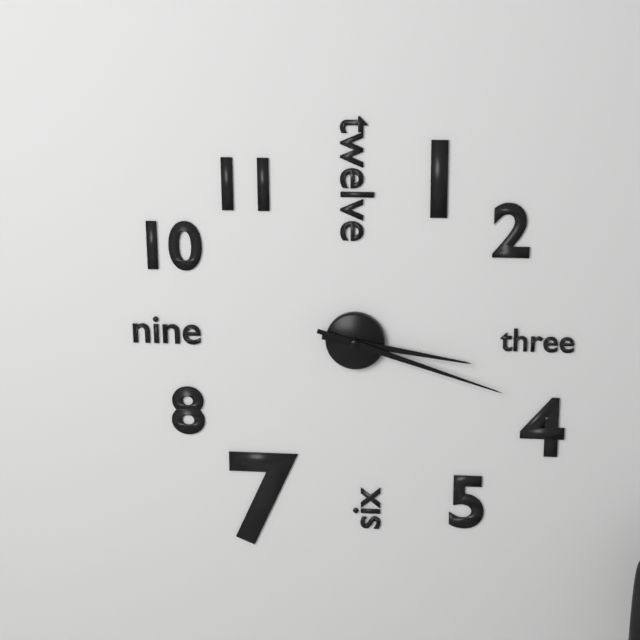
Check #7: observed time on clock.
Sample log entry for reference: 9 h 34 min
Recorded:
3 h 18 min
